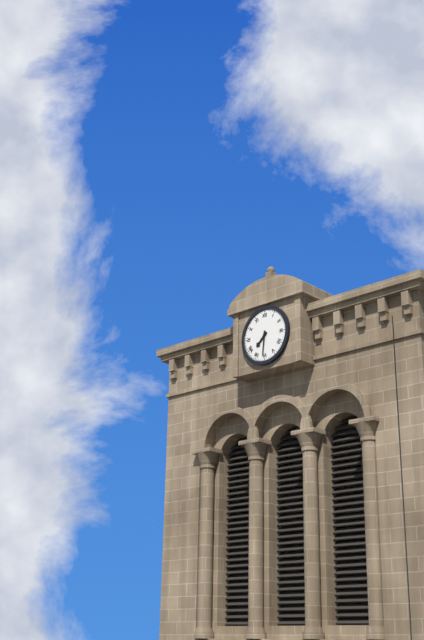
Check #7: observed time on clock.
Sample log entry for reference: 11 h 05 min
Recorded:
7 h 31 min
